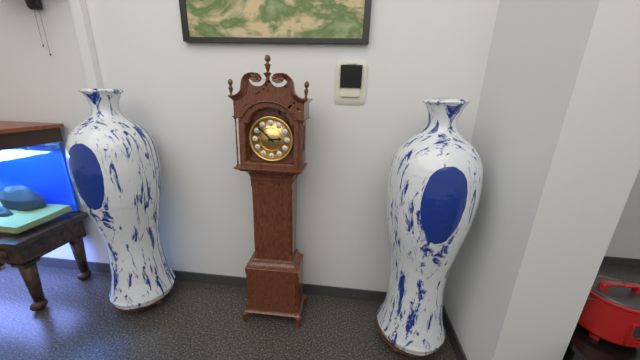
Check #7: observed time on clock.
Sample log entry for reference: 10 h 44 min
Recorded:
2 h 52 min
